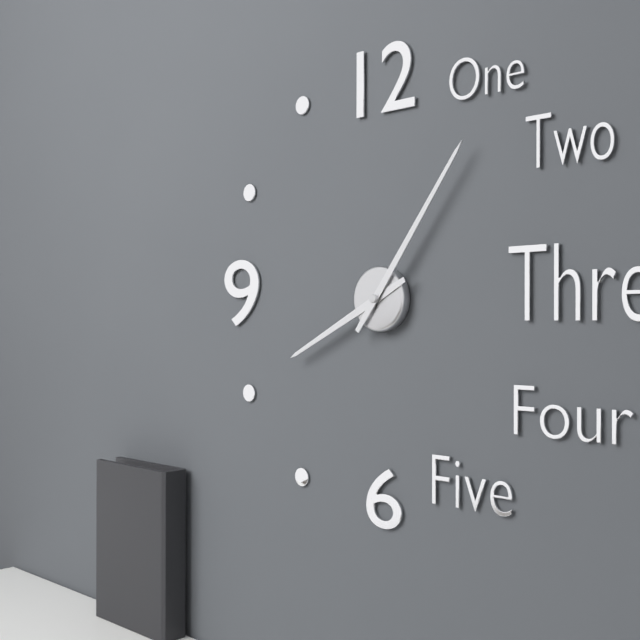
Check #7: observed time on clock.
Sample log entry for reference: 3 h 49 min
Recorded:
8 h 06 min
